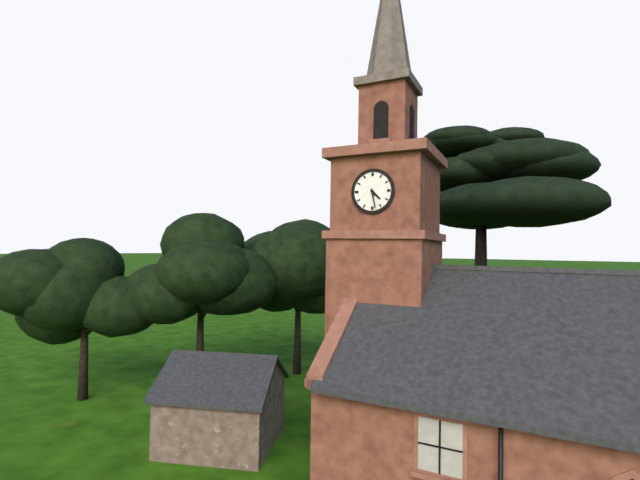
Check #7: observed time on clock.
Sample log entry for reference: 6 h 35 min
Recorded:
4 h 28 min
